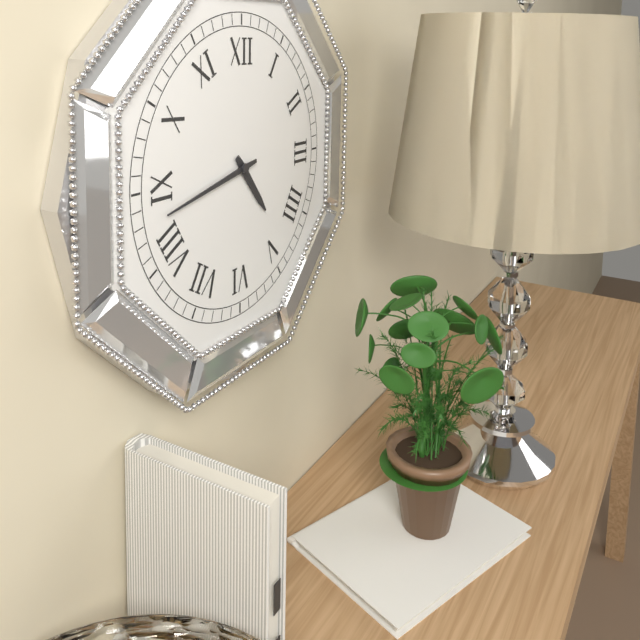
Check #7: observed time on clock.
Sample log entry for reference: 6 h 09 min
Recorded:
4 h 43 min
